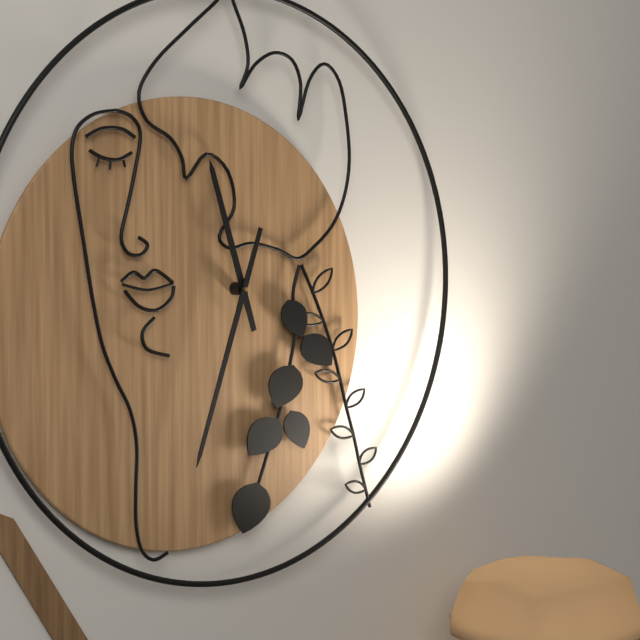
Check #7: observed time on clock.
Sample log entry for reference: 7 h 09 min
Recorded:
11 h 34 min
